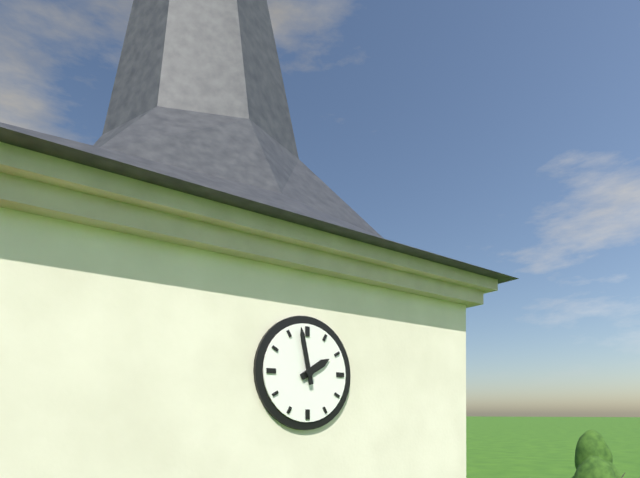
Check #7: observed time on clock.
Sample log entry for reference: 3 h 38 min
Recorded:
1 h 58 min
